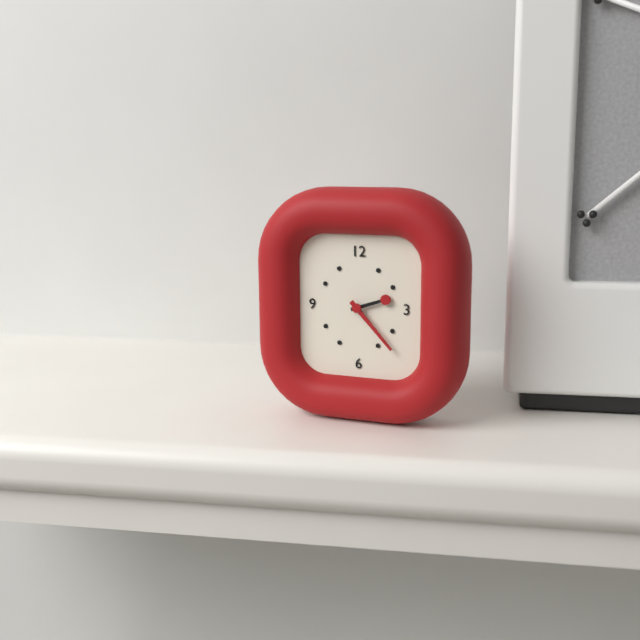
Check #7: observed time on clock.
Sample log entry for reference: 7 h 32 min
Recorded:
2 h 23 min
